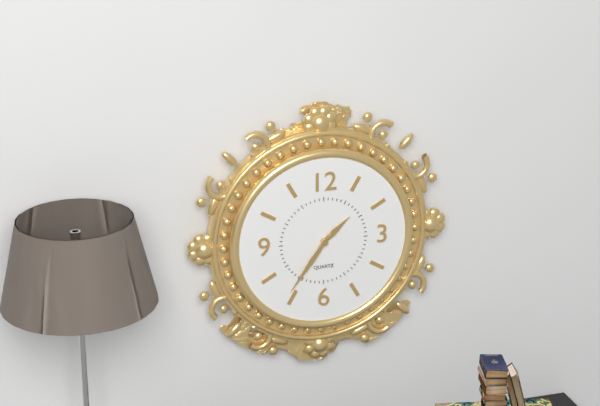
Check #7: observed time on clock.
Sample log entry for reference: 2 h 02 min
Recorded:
1 h 36 min
